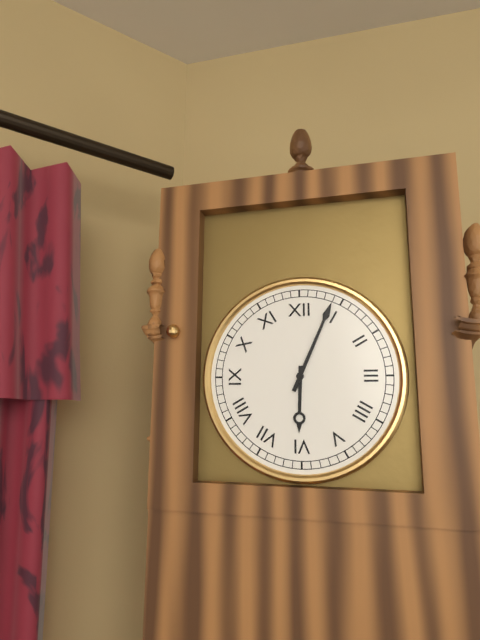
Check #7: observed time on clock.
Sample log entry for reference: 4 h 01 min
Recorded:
6 h 04 min
